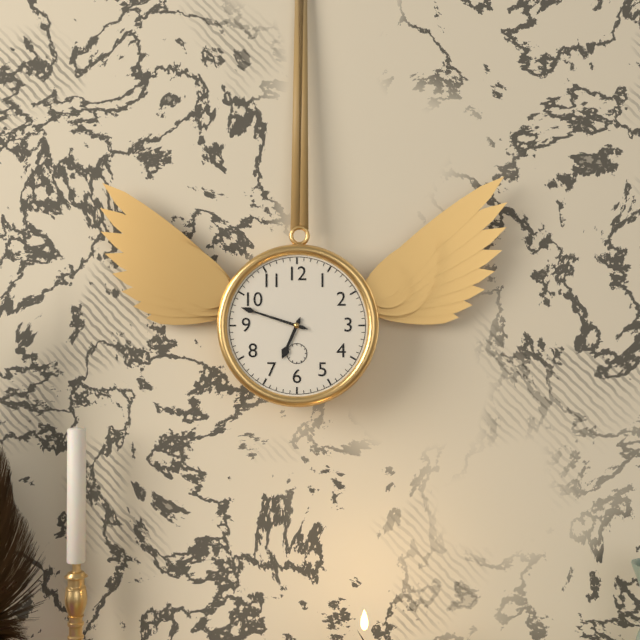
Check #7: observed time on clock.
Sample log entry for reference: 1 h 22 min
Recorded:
6 h 48 min
